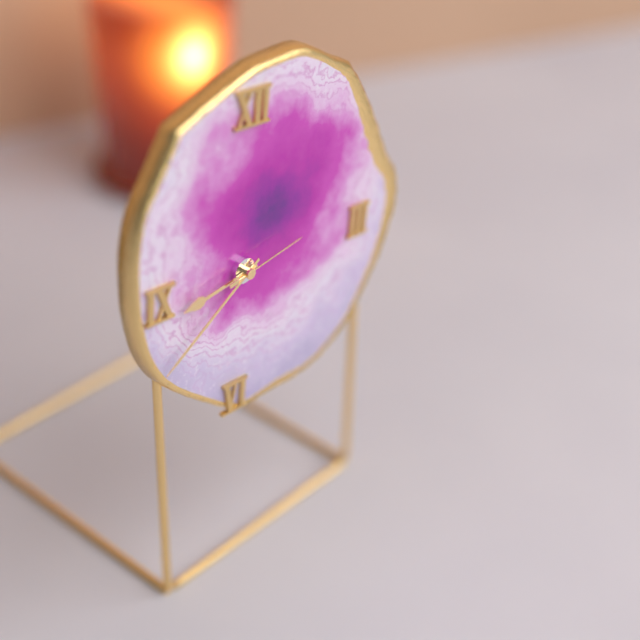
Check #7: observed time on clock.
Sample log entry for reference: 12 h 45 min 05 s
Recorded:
8 h 39 min 13 s
